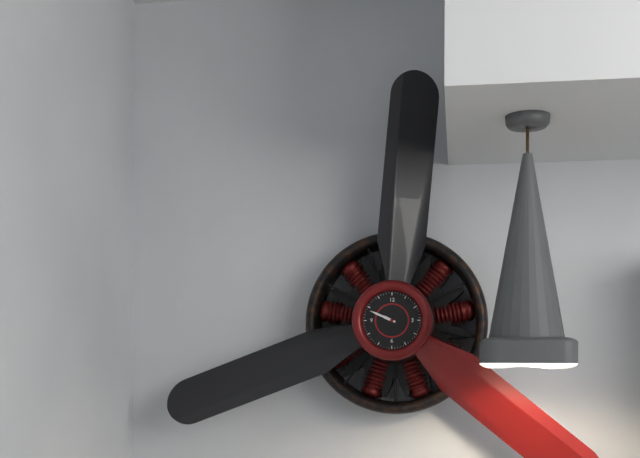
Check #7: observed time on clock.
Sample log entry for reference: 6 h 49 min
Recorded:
9 h 49 min
